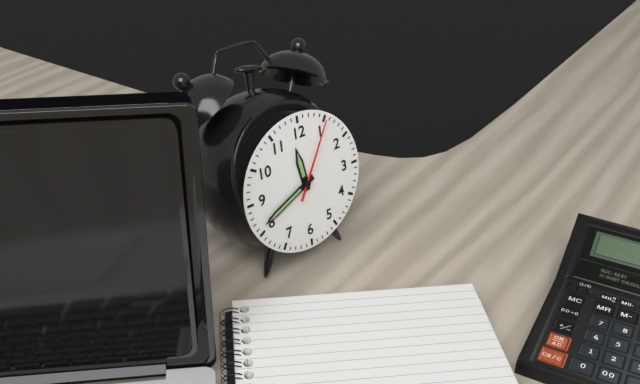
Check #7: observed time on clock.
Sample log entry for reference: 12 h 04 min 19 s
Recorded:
11 h 41 min 05 s
